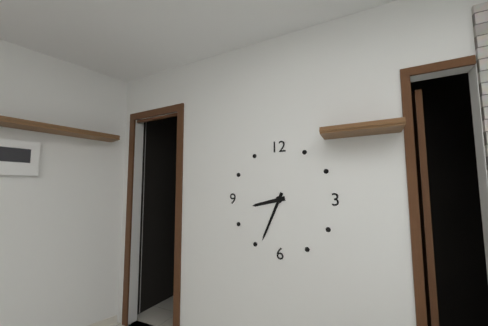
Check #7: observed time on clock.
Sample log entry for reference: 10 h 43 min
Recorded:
8 h 34 min
